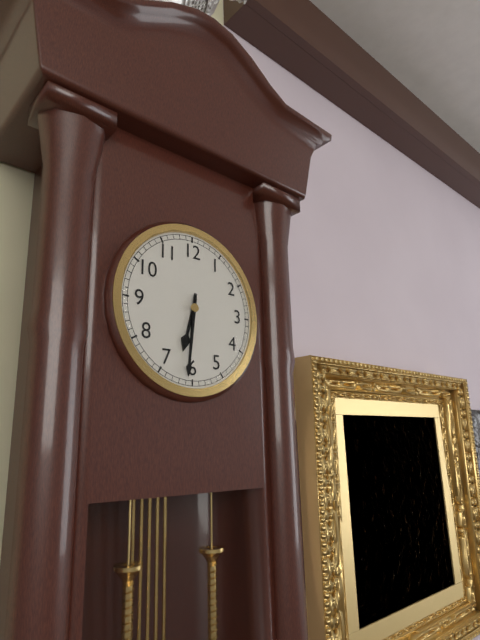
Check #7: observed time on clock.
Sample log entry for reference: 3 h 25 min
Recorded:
6 h 31 min
